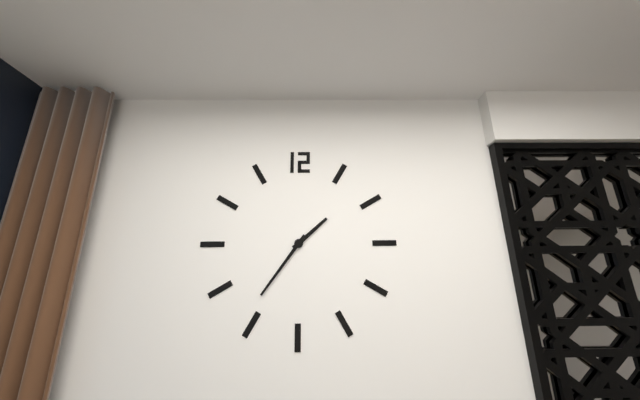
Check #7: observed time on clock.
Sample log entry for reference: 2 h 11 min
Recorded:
1 h 36 min
